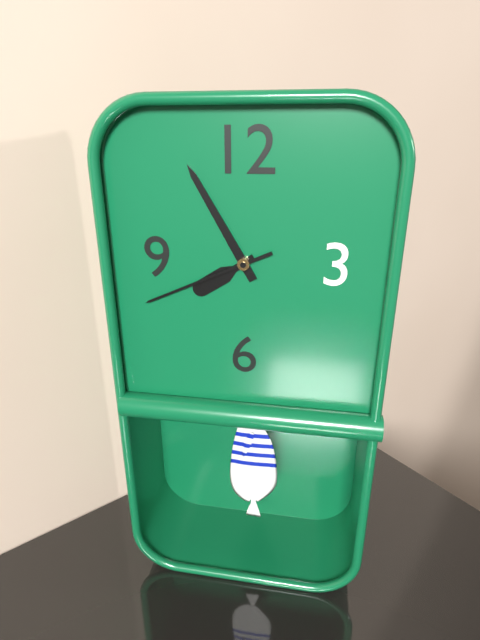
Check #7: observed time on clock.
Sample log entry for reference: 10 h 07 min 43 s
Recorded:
7 h 55 min 41 s
